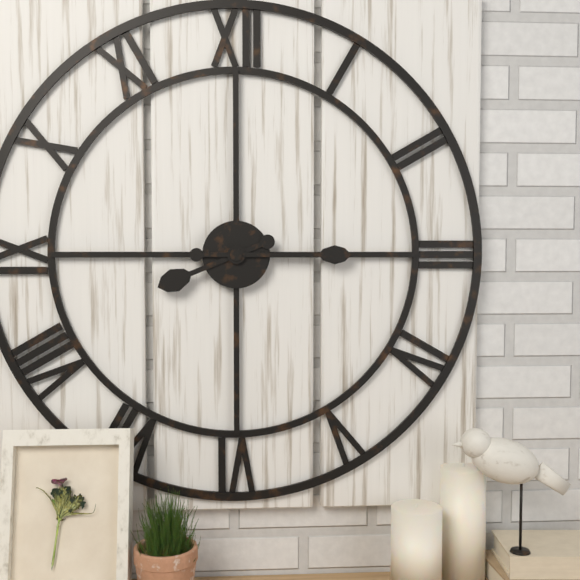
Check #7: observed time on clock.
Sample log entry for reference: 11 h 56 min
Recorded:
8 h 15 min
